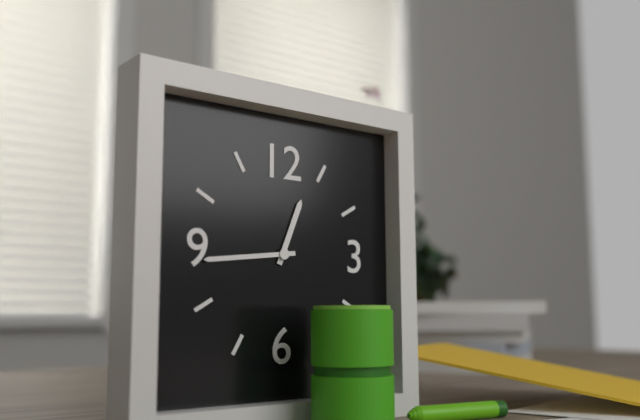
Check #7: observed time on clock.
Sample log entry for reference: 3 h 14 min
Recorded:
12 h 44 min
